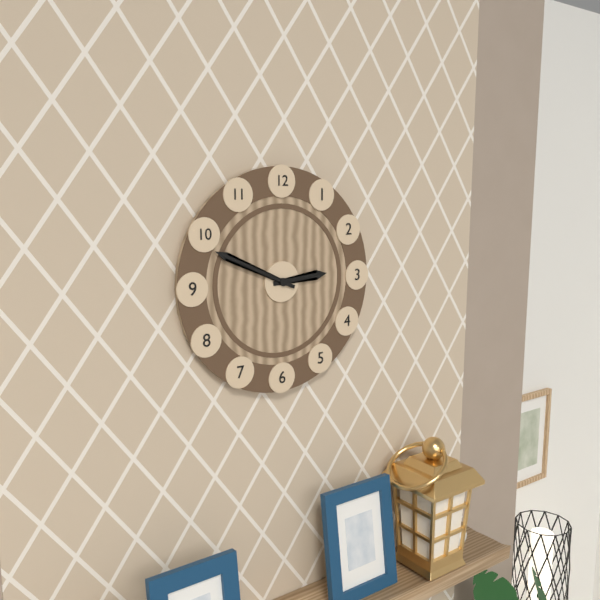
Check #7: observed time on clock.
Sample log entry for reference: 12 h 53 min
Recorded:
2 h 49 min
